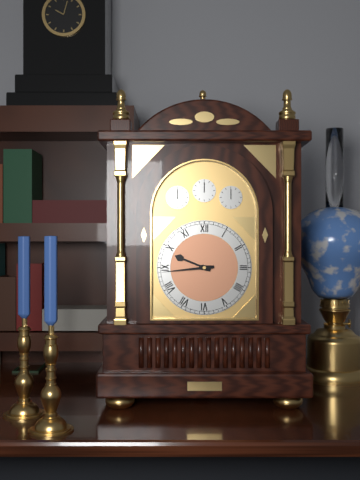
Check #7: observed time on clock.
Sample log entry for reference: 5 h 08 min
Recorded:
9 h 44 min
